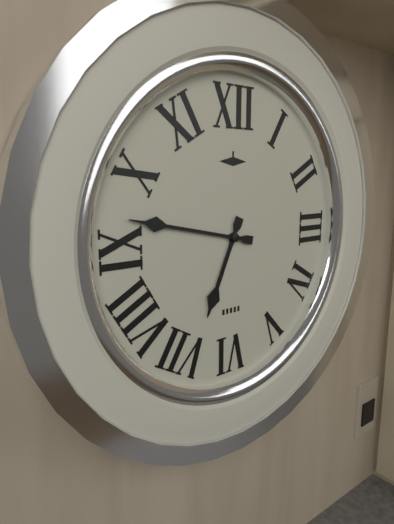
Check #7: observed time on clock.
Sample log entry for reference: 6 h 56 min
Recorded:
6 h 47 min
